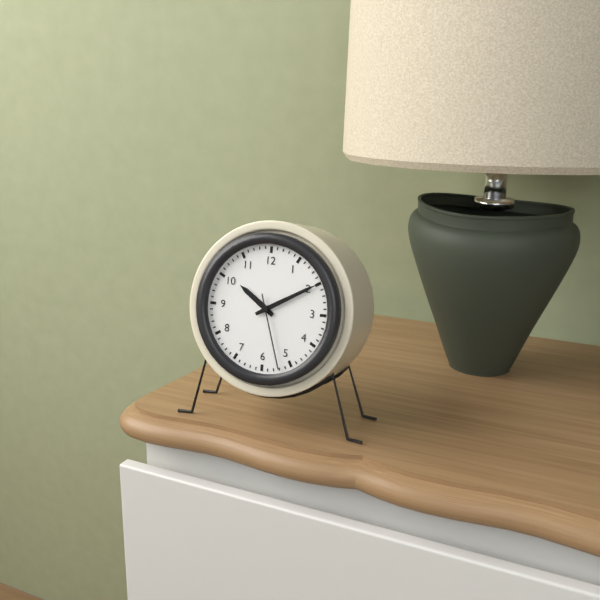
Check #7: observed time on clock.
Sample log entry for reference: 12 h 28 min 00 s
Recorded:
10 h 10 min 27 s
